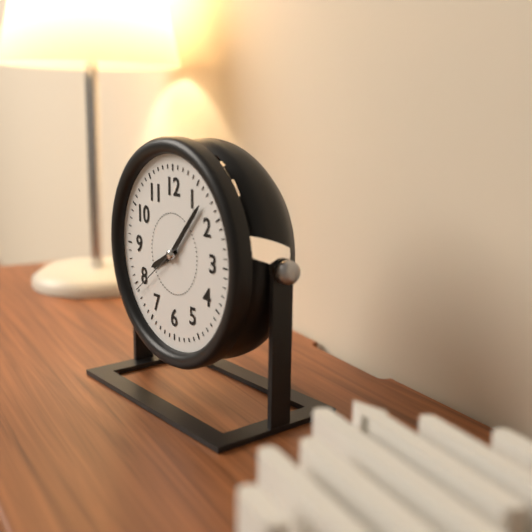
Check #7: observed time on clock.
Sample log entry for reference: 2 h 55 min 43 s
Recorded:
8 h 07 min 39 s
